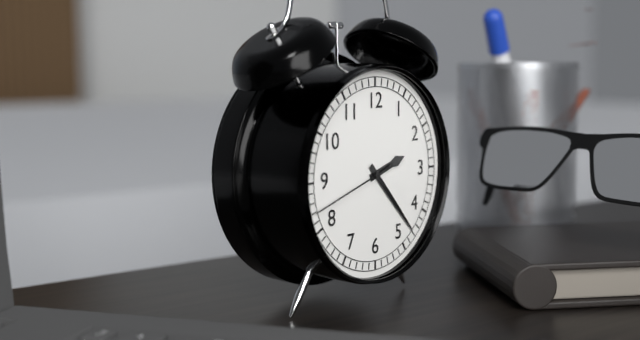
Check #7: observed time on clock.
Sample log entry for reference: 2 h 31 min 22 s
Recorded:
2 h 23 min 42 s
